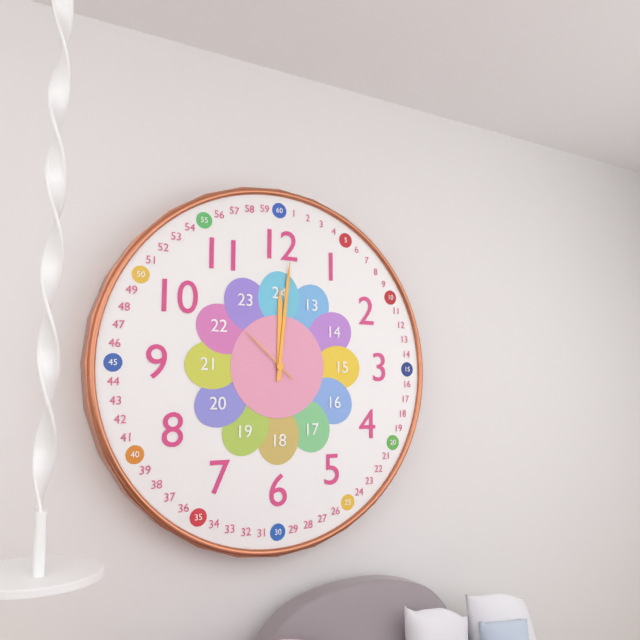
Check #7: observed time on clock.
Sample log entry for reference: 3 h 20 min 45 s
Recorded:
12 h 01 min 52 s
